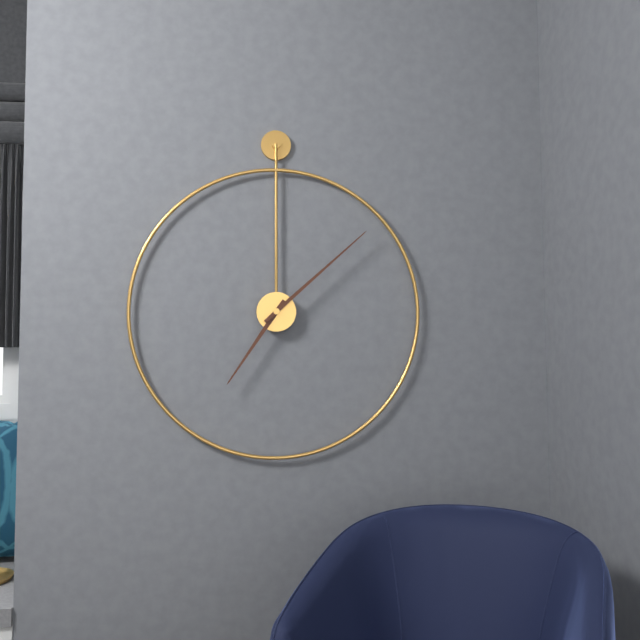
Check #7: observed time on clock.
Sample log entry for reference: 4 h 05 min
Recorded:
7 h 08 min
